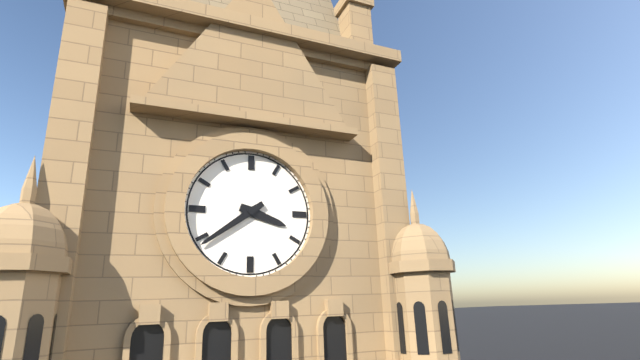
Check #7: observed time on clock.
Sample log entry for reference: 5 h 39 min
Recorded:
3 h 39 min
